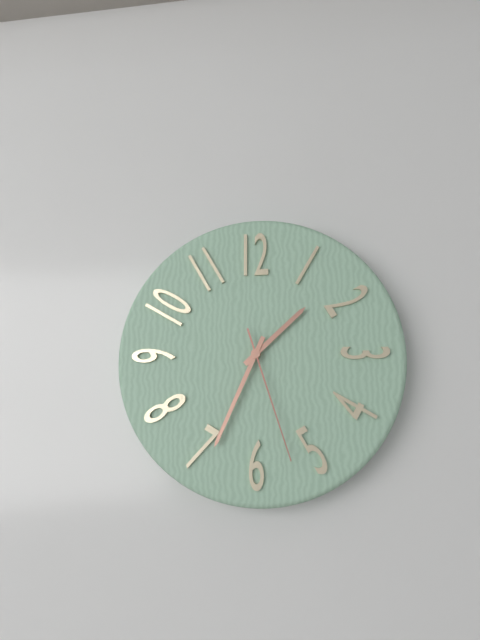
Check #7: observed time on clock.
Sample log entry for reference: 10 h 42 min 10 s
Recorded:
1 h 34 min 27 s
